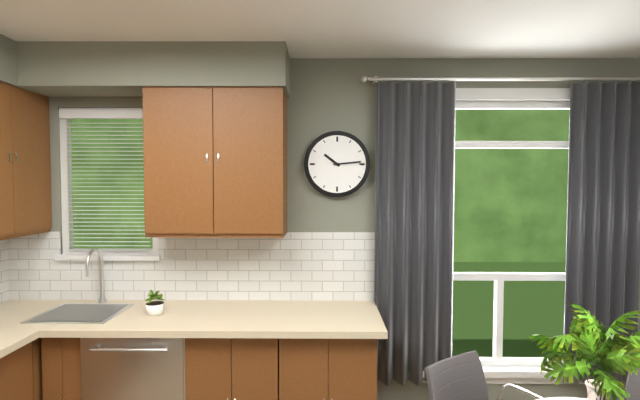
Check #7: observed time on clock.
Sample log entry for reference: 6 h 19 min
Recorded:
10 h 14 min
